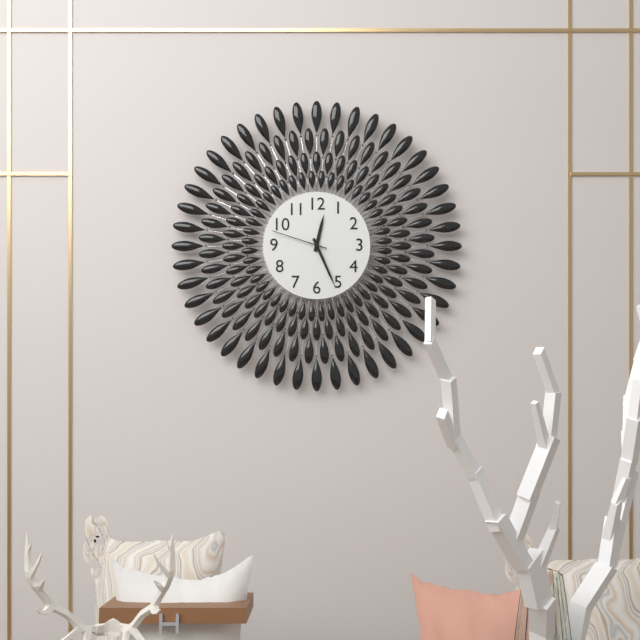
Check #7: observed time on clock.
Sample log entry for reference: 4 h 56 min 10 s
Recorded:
12 h 26 min 48 s
